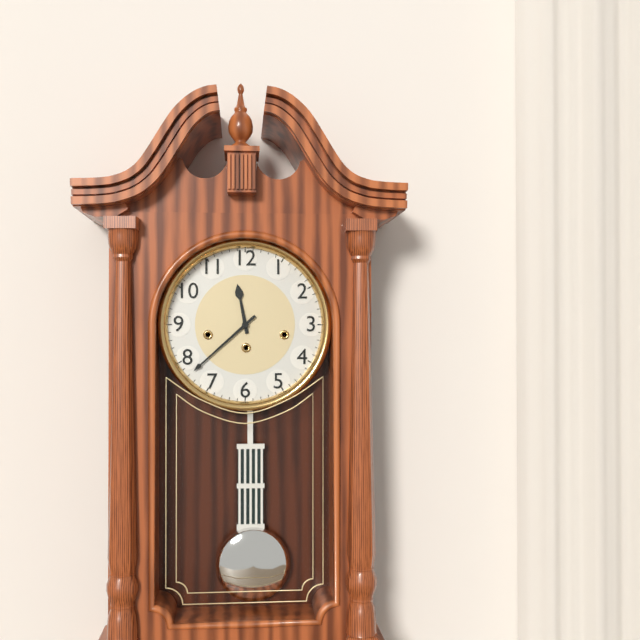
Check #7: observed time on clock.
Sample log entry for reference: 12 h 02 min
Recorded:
11 h 38 min
